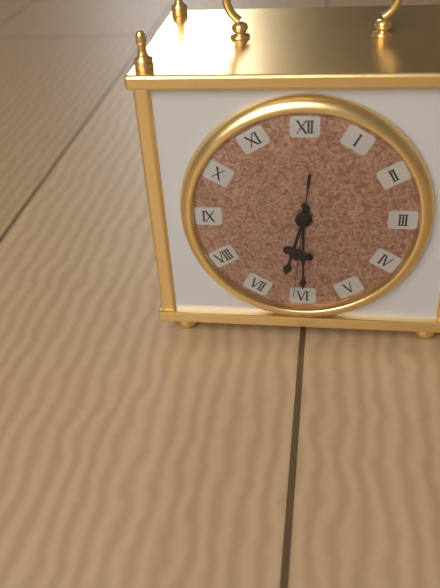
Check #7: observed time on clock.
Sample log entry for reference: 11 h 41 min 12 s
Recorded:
6 h 30 min 31 s
